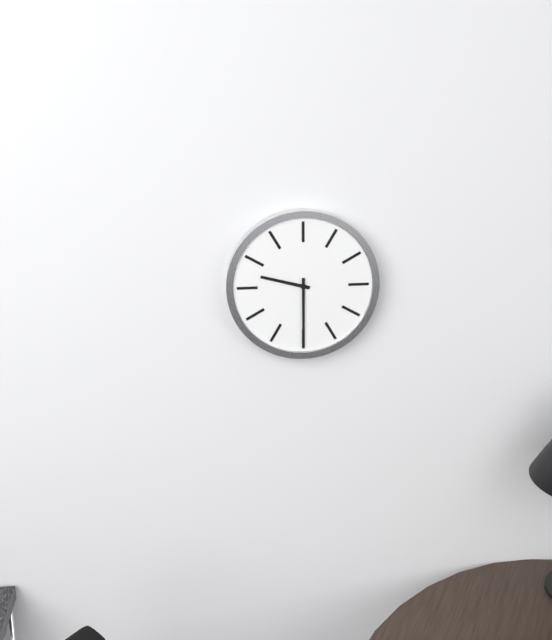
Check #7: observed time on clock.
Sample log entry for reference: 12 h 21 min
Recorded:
9 h 30 min
